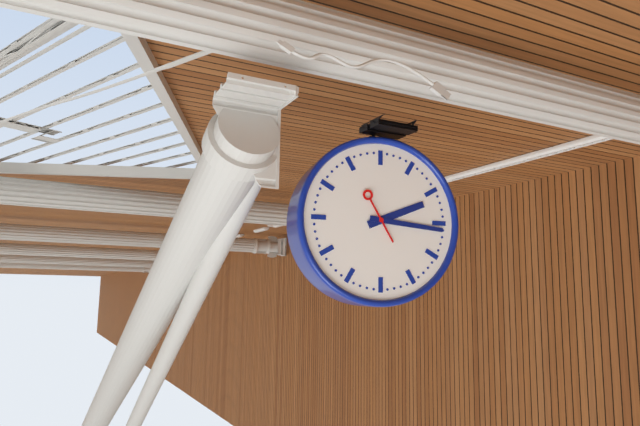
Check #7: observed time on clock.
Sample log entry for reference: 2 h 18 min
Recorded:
2 h 16 min
